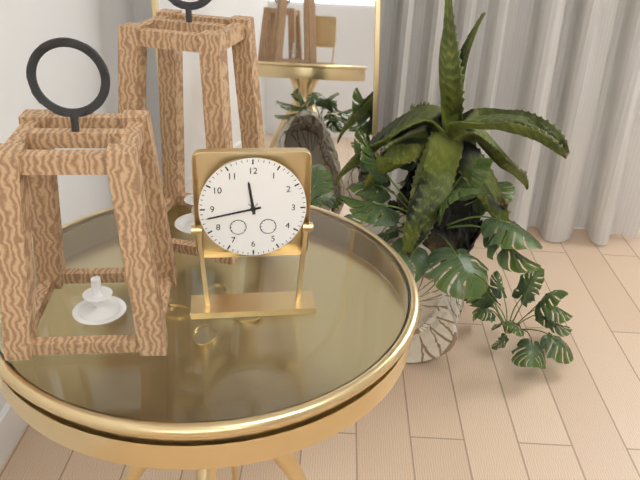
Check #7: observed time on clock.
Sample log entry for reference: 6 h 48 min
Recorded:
11 h 43 min
